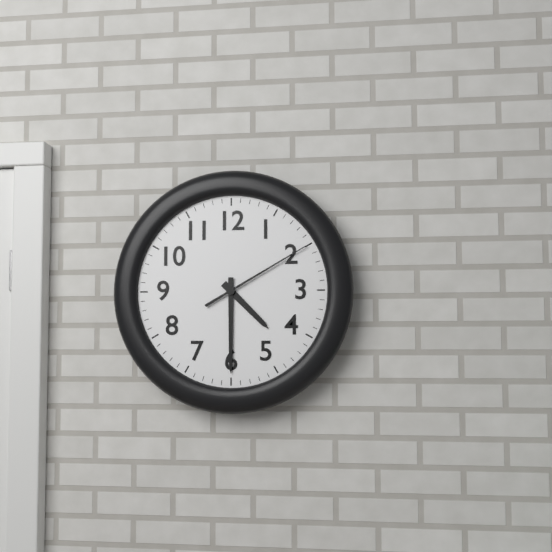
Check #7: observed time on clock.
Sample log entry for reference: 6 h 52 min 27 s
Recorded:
4 h 30 min 10 s
